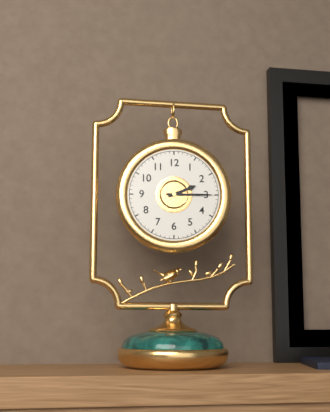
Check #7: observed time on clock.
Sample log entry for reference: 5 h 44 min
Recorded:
2 h 15 min
